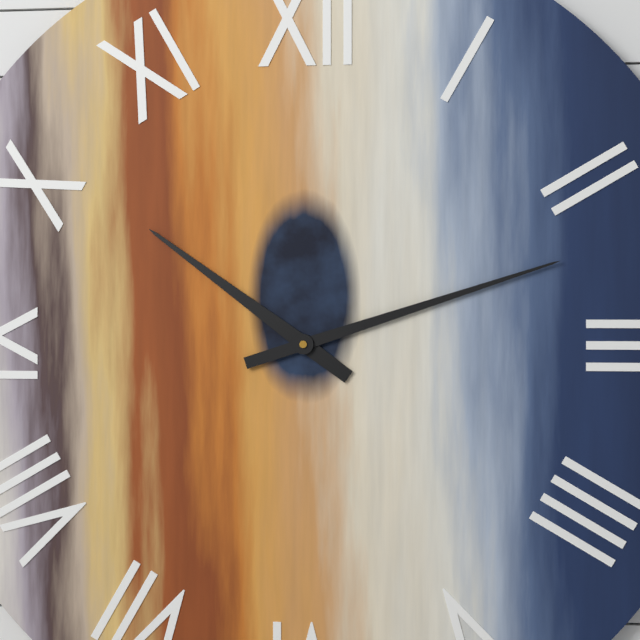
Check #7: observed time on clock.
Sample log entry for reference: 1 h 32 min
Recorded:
10 h 12 min
